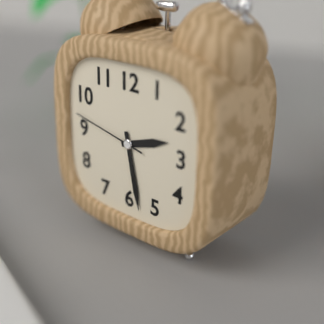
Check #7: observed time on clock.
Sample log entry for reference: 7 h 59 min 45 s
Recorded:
2 h 28 min 47 s
